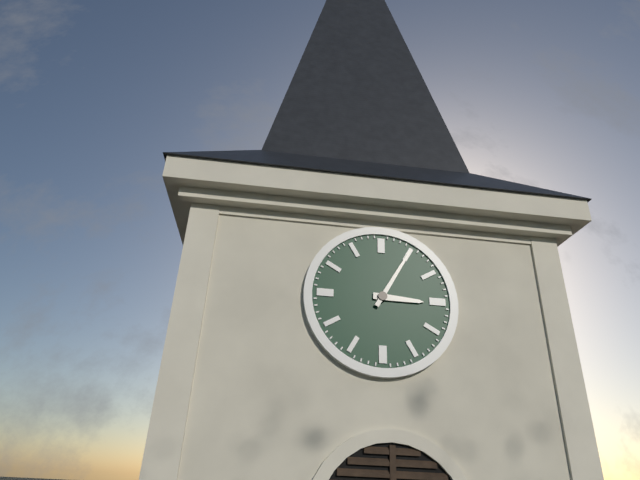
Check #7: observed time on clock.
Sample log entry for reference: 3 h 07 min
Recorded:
3 h 05 min
